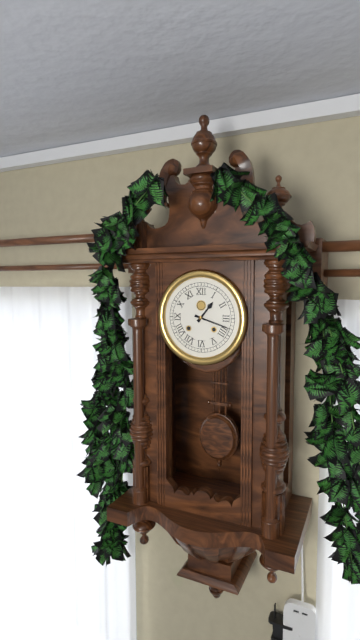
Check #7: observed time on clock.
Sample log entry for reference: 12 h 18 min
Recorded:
1 h 18 min
